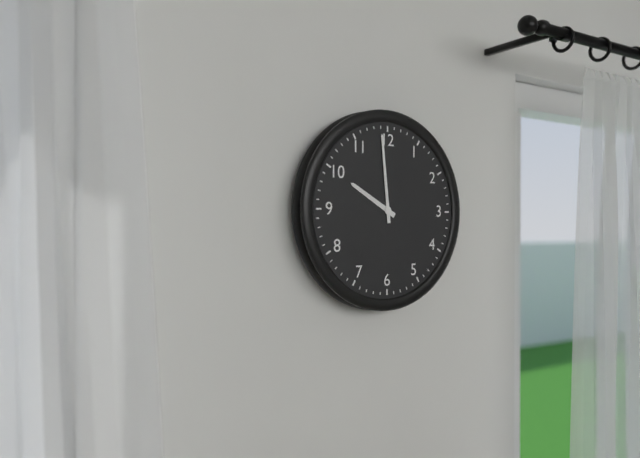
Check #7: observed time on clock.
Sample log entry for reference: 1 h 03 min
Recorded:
9 h 59 min
